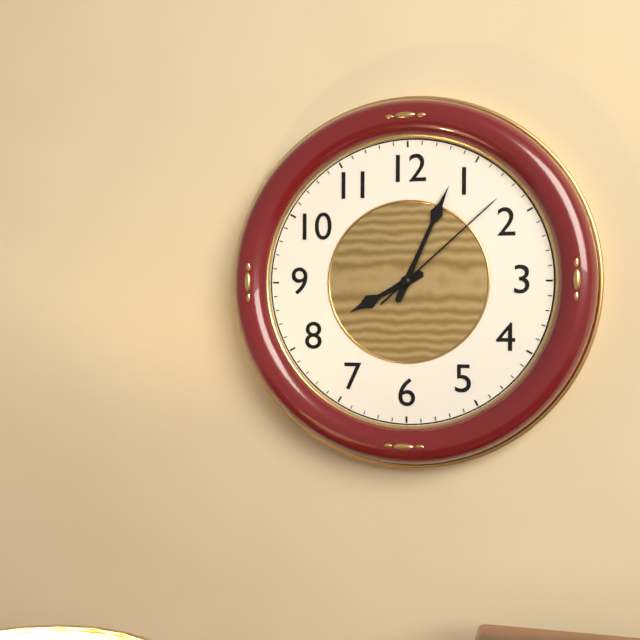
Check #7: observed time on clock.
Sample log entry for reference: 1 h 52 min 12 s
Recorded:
8 h 04 min 08 s
